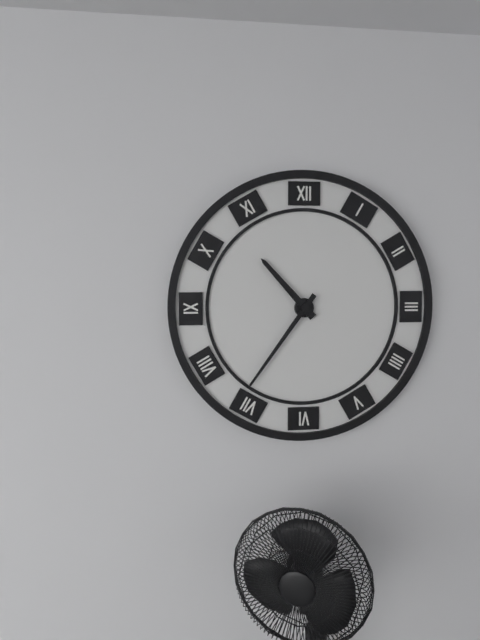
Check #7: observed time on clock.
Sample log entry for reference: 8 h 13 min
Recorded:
10 h 36 min
